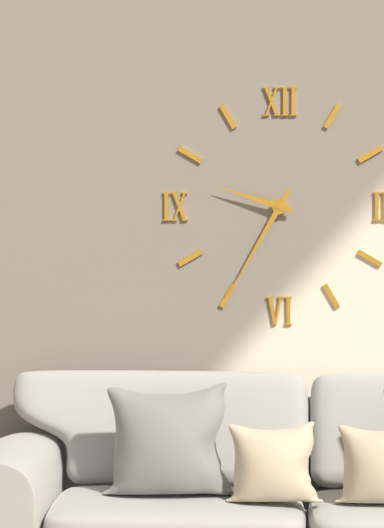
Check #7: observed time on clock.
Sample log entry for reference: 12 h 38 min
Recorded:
9 h 35 min
